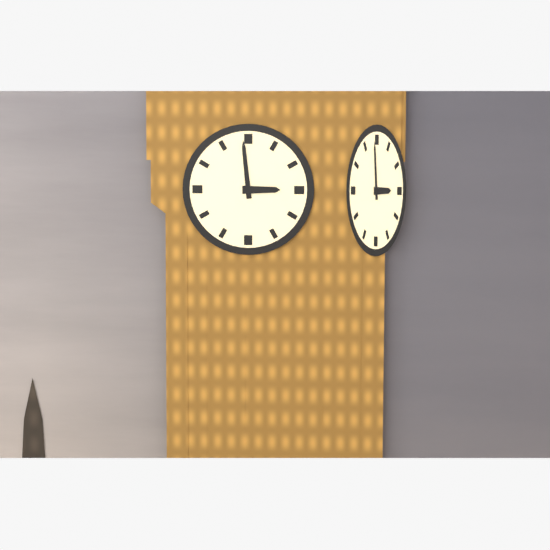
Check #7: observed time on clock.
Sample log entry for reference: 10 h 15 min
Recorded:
2 h 59 min
